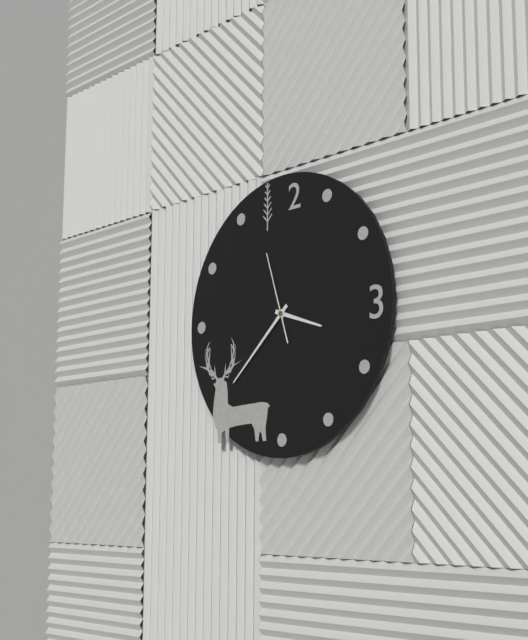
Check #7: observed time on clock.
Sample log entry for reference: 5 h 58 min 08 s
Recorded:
3 h 38 min 57 s
